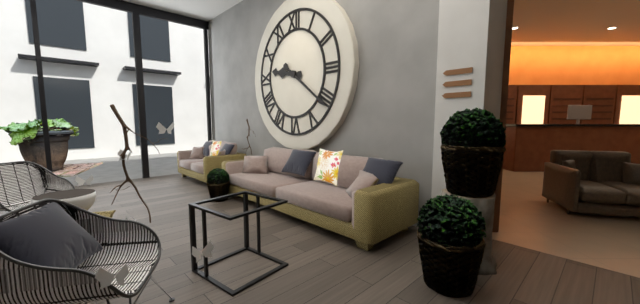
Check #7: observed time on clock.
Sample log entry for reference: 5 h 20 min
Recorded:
9 h 21 min
